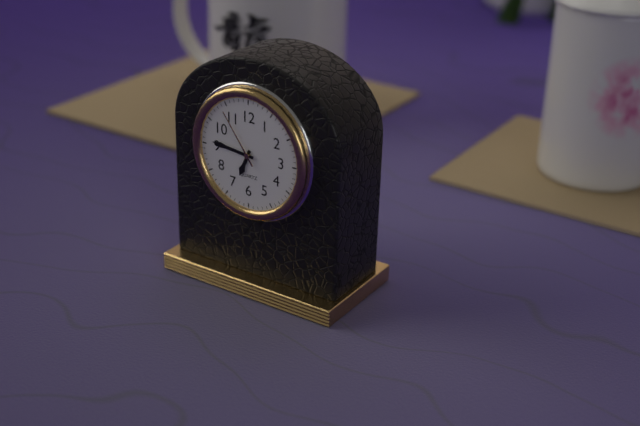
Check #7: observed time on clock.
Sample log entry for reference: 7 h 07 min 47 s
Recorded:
6 h 46 min 54 s
